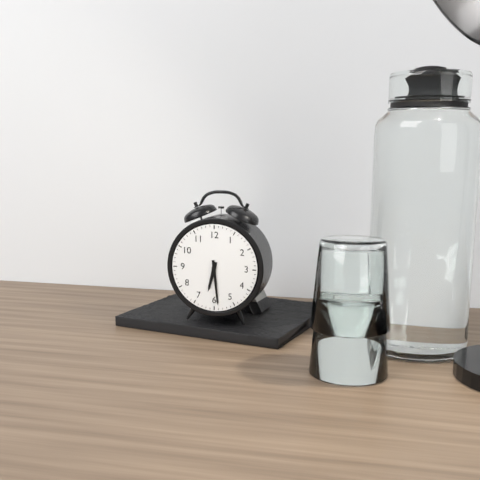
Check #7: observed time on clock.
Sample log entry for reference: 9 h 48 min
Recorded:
6 h 29 min
